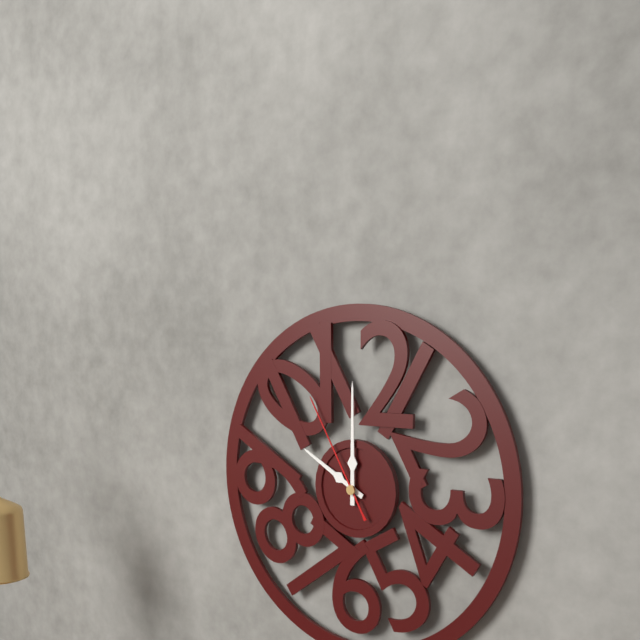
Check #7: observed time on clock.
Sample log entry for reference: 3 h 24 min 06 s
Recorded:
10 h 00 min 55 s
